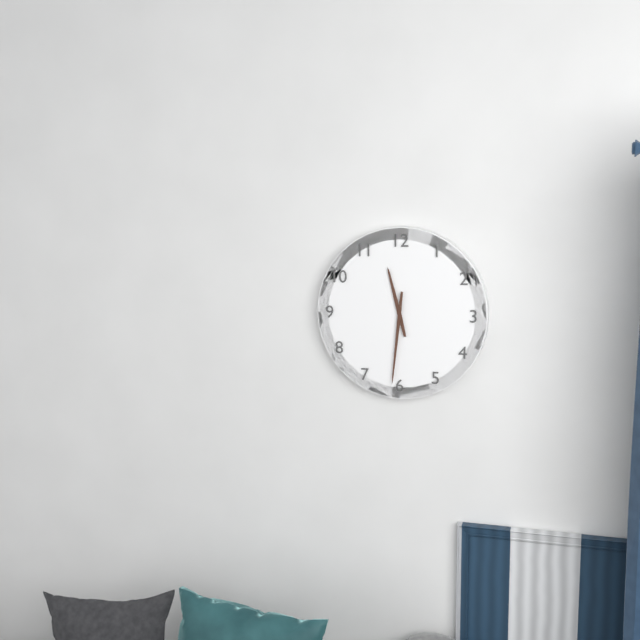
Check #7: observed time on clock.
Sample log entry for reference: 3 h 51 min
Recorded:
11 h 31 min
